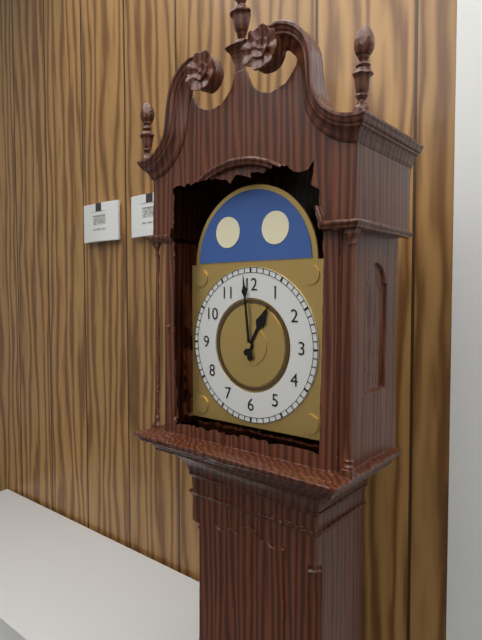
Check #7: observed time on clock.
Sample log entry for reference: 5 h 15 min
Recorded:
12 h 59 min
